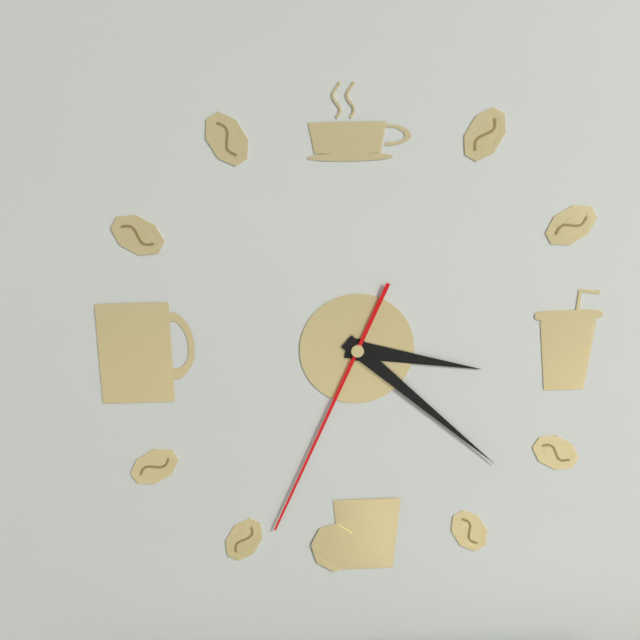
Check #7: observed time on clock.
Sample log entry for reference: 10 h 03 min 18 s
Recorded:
3 h 22 min 34 s
